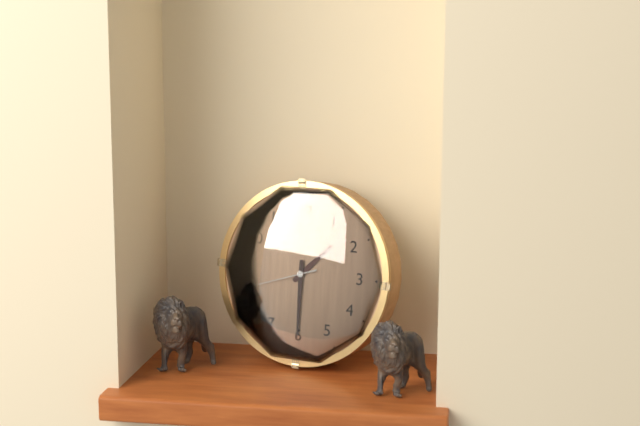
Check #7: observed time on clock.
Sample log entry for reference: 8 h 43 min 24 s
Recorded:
1 h 30 min 42 s
